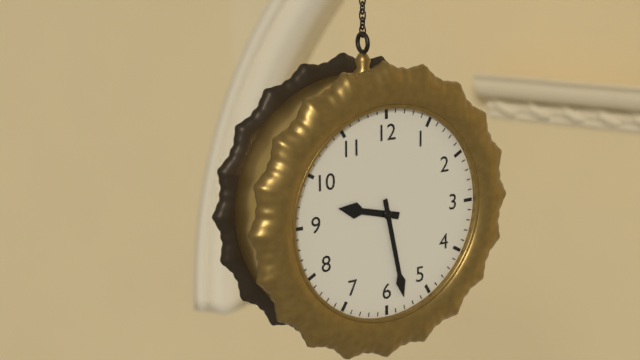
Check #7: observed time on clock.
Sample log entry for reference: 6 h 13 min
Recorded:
9 h 28 min
